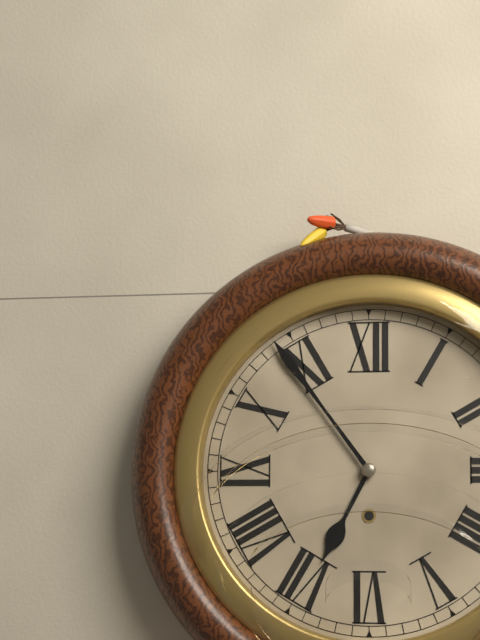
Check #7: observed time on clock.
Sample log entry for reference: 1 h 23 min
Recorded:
6 h 54 min
